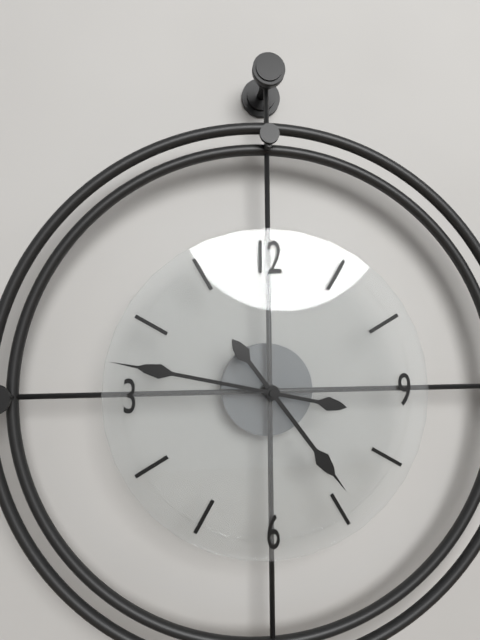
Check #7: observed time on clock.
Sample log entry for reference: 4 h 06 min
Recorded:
4 h 47 min
